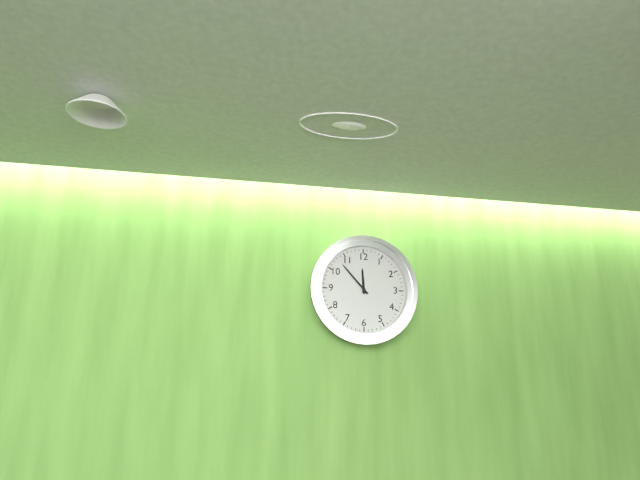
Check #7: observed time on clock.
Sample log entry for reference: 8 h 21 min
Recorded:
11 h 53 min
